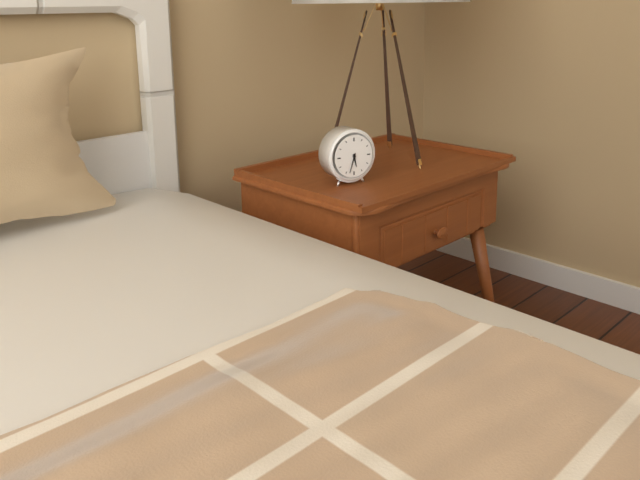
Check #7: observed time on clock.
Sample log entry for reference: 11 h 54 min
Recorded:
5 h 33 min
